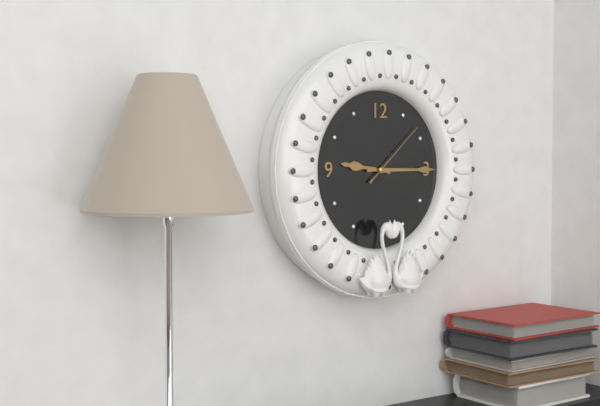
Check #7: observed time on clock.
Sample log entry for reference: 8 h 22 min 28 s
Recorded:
9 h 15 min 08 s
